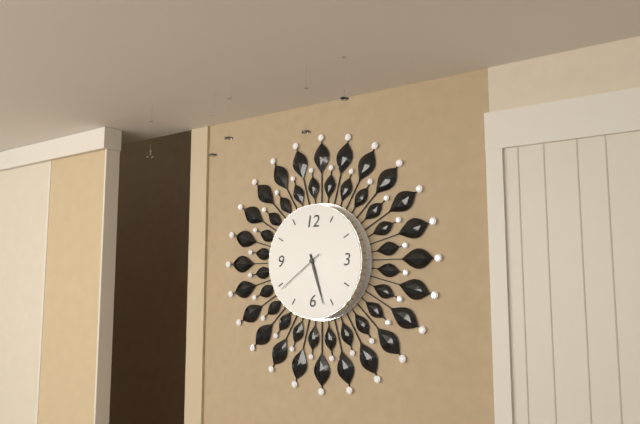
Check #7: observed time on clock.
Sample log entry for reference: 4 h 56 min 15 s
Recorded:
5 h 27 min 39 s
